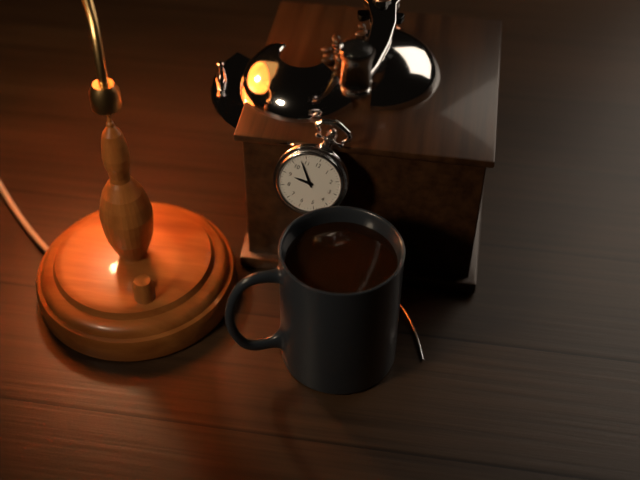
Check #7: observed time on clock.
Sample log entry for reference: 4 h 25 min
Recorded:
8 h 53 min
